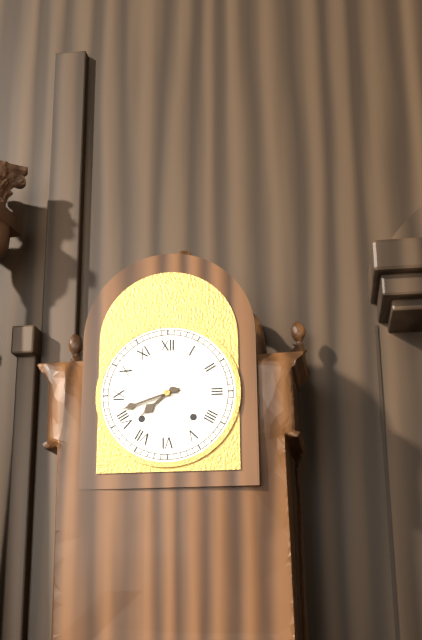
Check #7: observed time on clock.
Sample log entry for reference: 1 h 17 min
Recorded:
7 h 42 min
